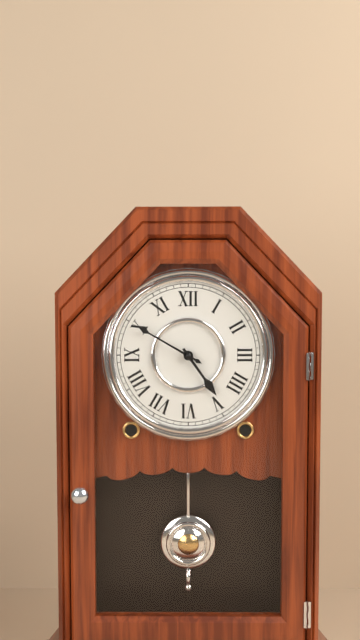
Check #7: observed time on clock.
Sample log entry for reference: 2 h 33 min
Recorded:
4 h 50 min
